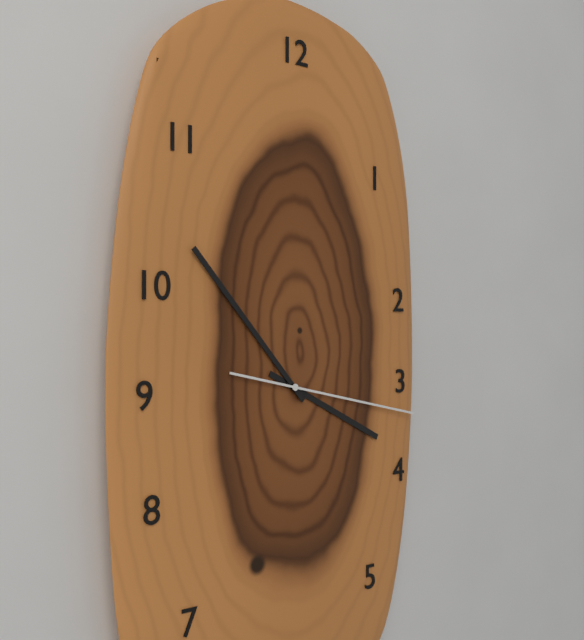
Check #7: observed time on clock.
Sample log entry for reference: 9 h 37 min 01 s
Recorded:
3 h 53 min 17 s
